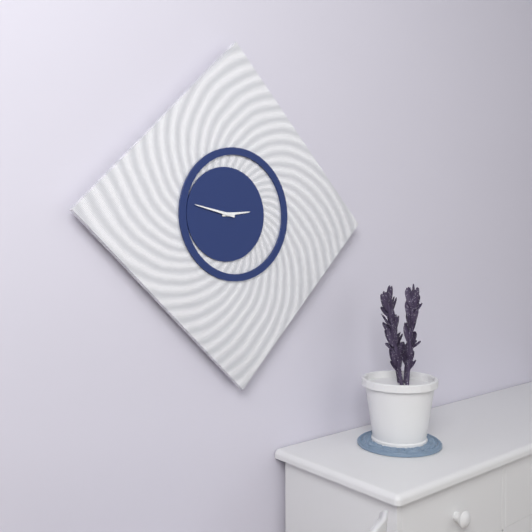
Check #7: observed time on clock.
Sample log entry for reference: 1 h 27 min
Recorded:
2 h 47 min
